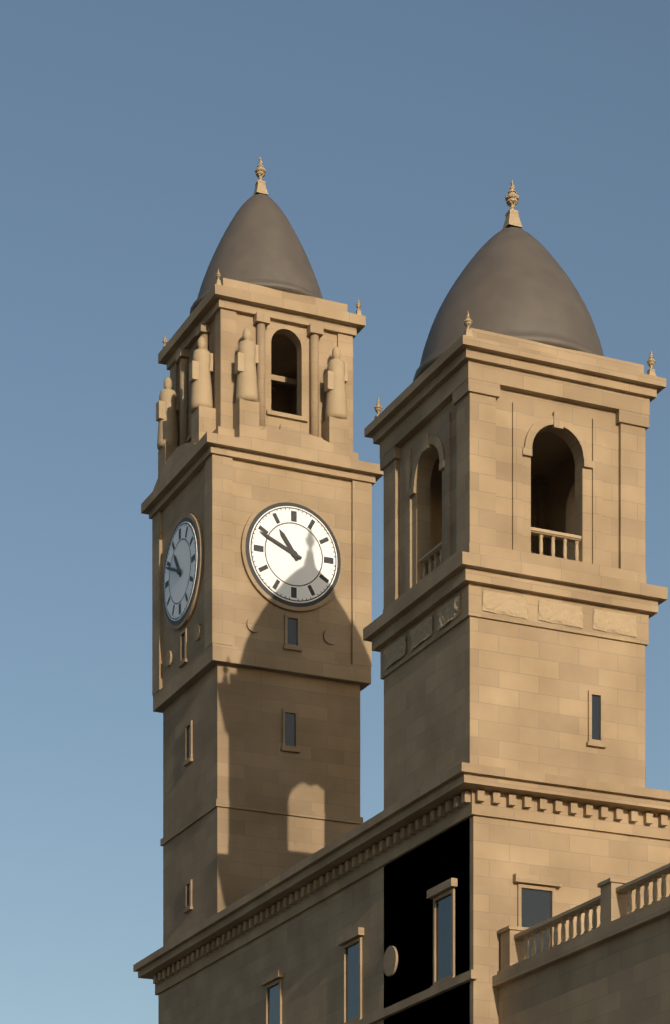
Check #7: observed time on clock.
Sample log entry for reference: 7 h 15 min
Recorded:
10 h 49 min
